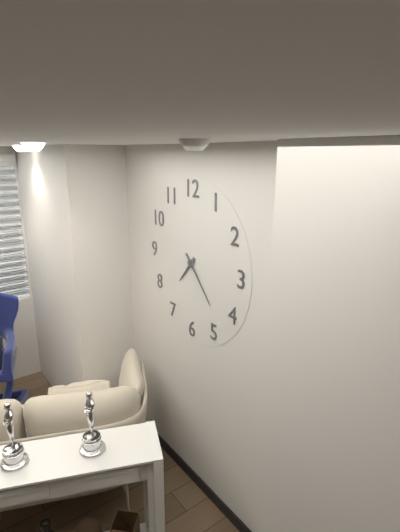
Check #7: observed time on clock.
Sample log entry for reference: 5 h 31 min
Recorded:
7 h 23 min
